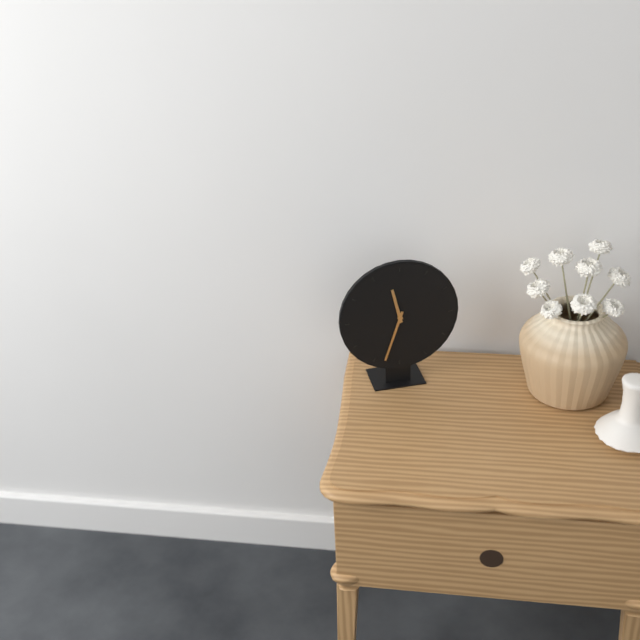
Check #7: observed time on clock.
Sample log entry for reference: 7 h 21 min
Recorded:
11 h 33 min
